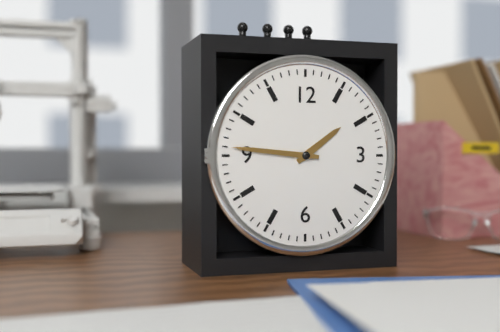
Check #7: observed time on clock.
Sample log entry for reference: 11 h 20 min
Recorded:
1 h 46 min
